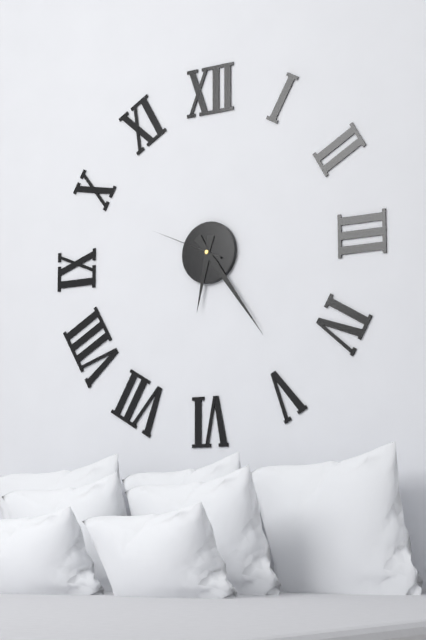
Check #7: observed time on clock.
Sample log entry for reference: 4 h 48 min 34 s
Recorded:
6 h 24 min 49 s
